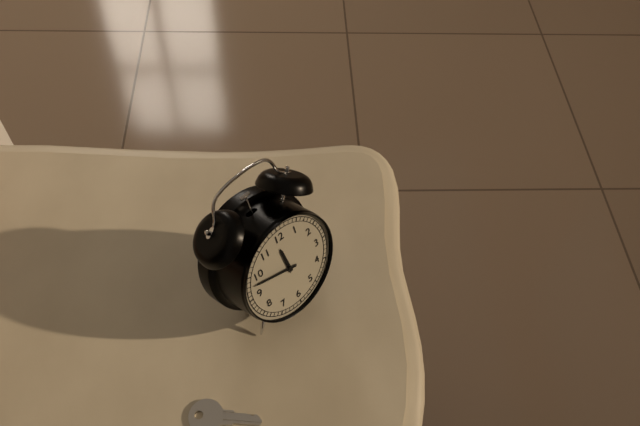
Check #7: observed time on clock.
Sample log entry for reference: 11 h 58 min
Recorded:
11 h 48 min
